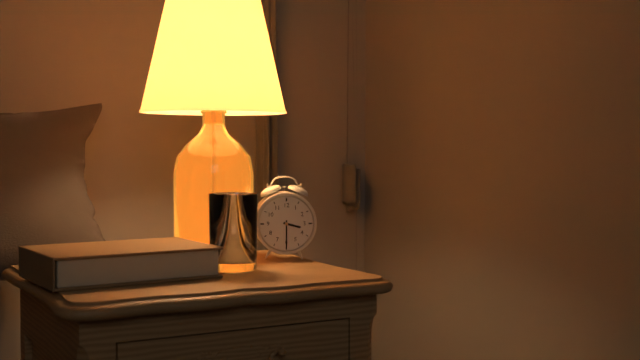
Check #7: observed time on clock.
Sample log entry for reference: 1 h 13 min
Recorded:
3 h 30 min
